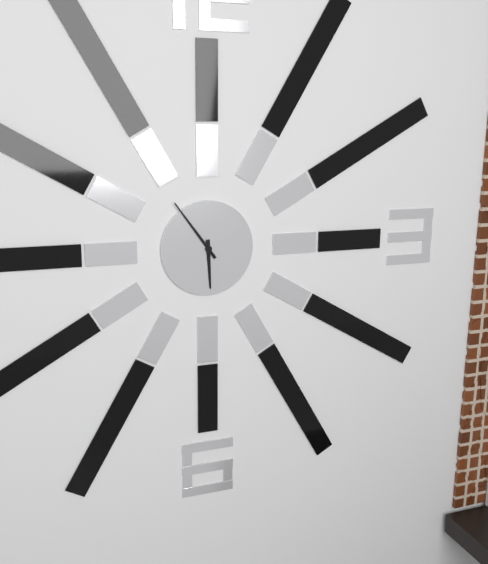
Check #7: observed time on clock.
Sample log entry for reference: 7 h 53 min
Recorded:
5 h 54 min
